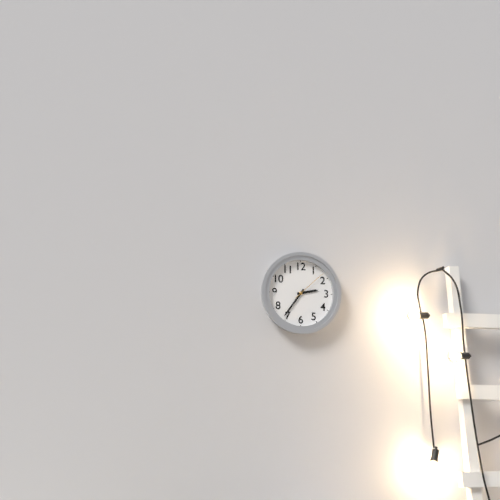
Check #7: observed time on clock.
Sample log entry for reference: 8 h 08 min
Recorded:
2 h 36 min
